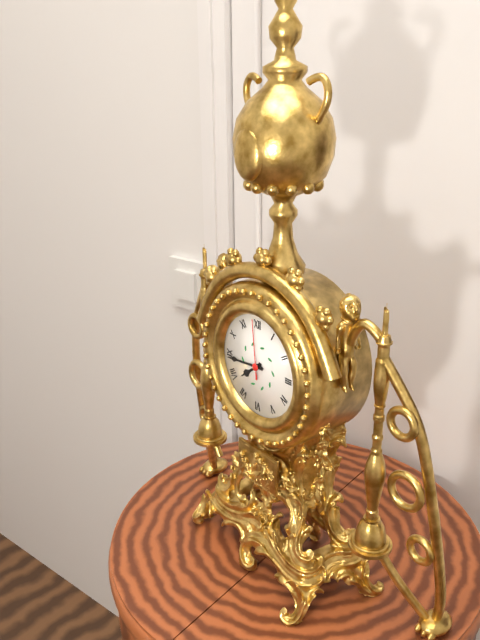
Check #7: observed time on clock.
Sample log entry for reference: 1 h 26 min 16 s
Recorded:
7 h 44 min 59 s
